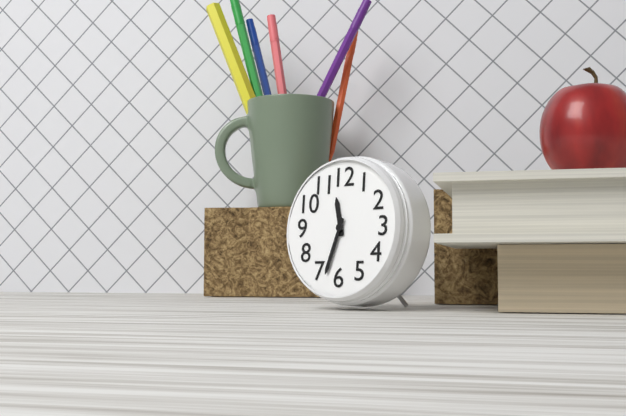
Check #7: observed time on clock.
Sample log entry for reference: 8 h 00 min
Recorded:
11 h 33 min
